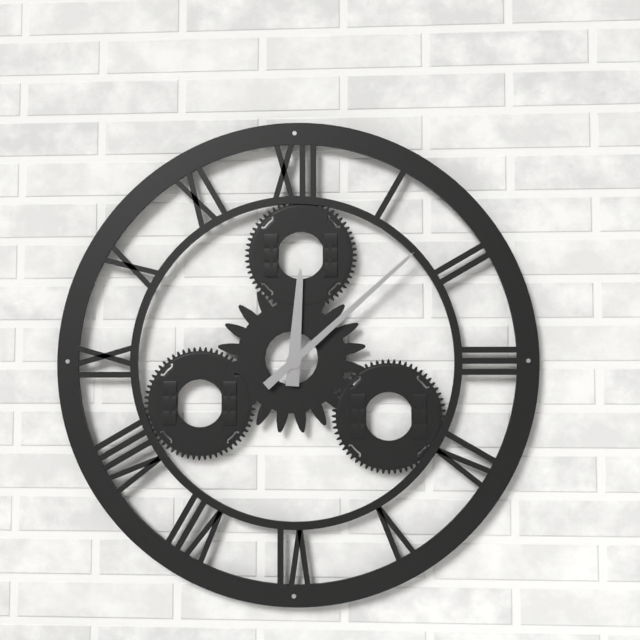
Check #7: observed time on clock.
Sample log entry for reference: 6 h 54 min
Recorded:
12 h 08 min
